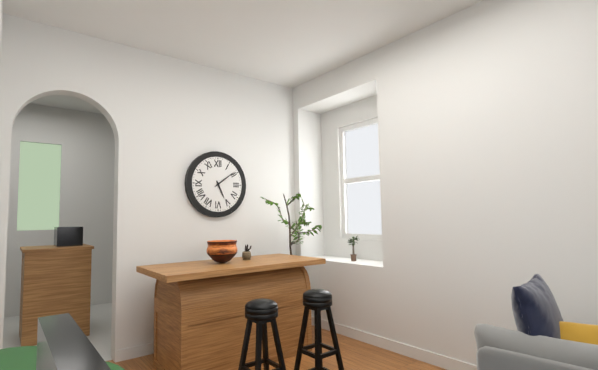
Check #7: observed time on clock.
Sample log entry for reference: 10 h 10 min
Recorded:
5 h 09 min
